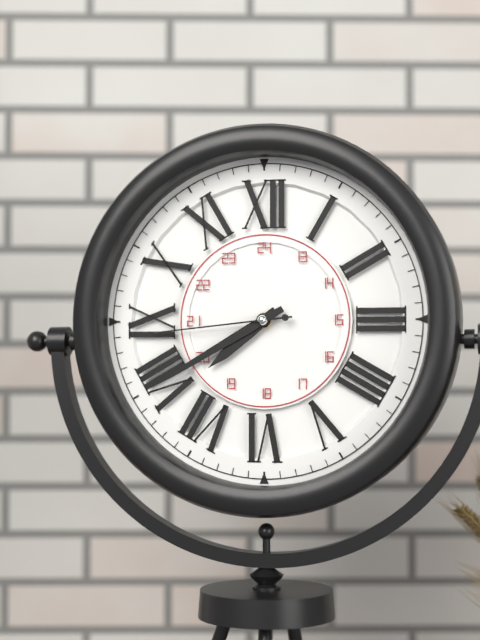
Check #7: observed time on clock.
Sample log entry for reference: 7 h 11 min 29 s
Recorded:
7 h 40 min 44 s
